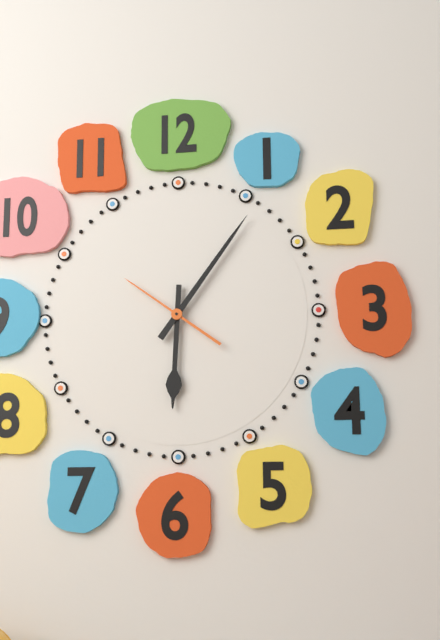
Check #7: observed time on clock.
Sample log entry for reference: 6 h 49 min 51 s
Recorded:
6 h 06 min 51 s
